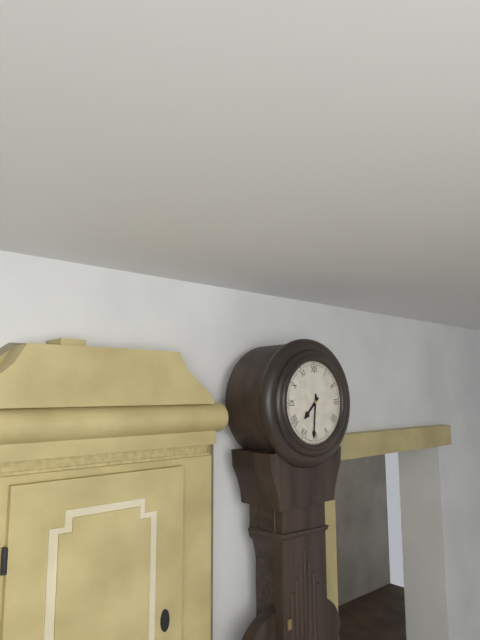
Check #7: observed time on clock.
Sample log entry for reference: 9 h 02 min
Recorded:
7 h 31 min
